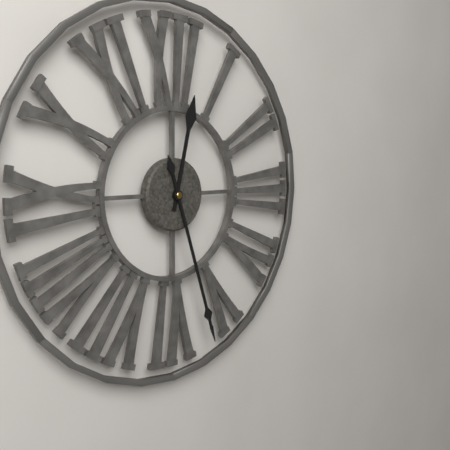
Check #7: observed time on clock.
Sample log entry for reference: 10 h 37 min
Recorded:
12 h 27 min
